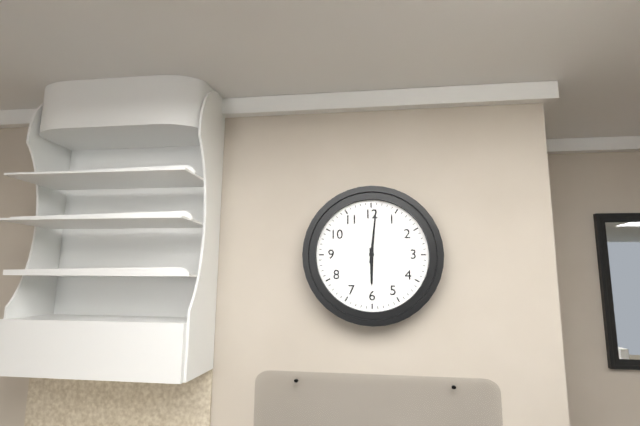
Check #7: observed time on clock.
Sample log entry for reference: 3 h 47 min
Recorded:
6 h 01 min
